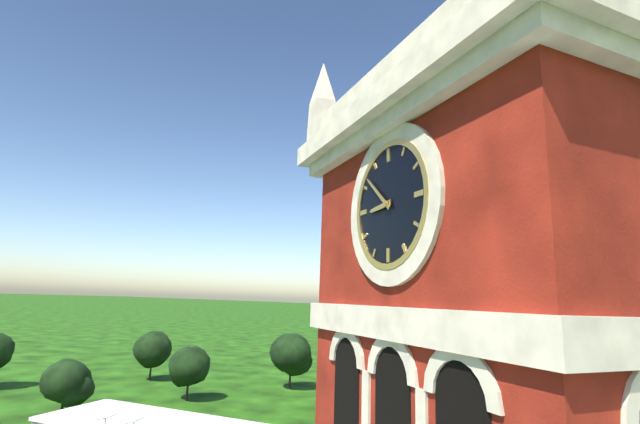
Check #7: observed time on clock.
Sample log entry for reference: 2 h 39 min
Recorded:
8 h 52 min
